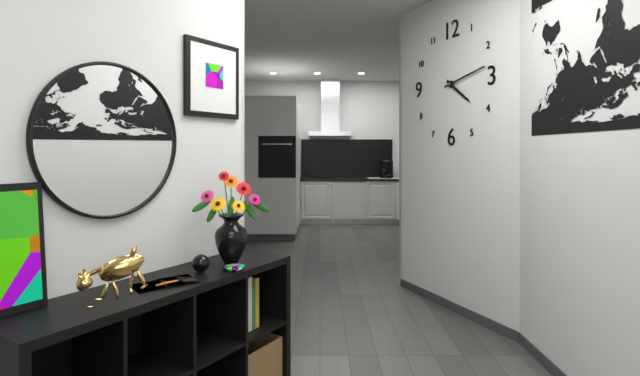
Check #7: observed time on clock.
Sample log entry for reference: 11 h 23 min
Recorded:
4 h 13 min
